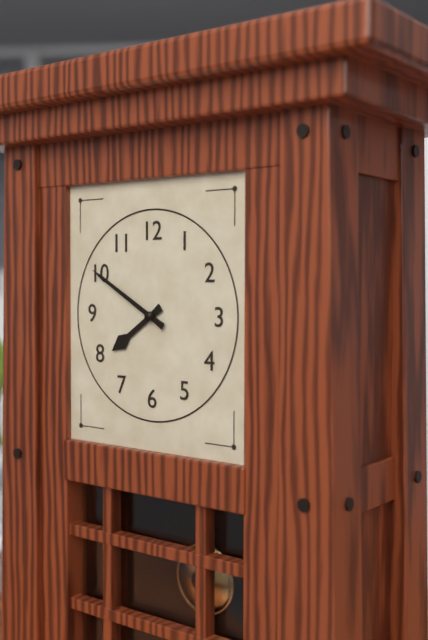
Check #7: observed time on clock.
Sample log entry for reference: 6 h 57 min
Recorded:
7 h 50 min
